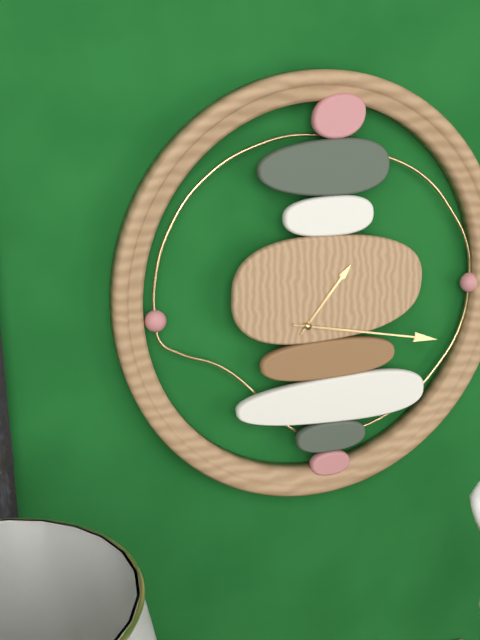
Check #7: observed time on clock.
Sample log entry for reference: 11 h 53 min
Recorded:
1 h 17 min
